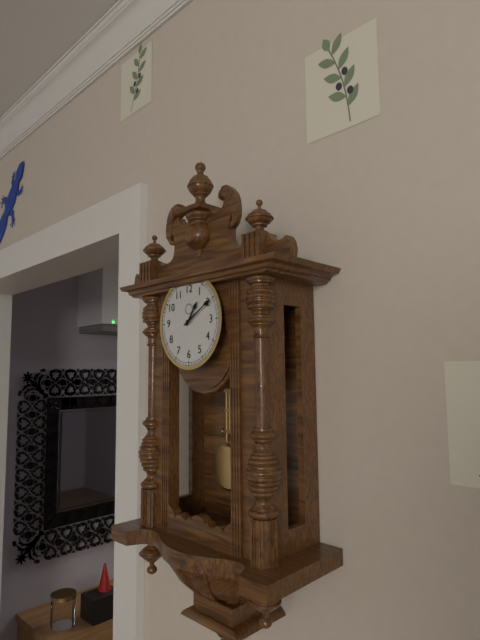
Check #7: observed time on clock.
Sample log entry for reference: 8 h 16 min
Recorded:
1 h 10 min
